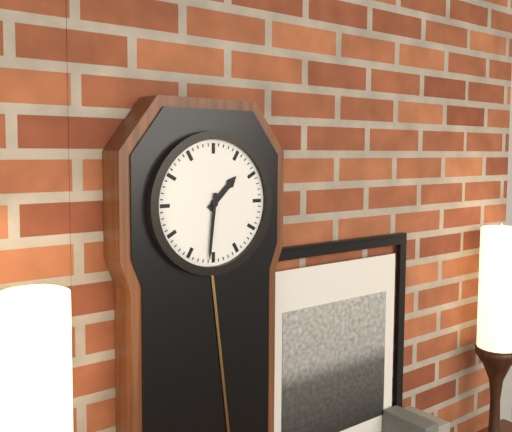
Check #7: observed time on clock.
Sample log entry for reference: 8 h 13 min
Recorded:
1 h 31 min
